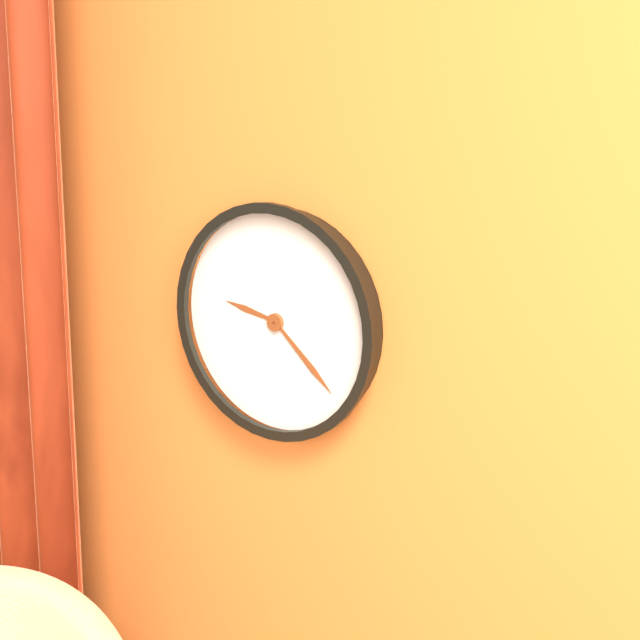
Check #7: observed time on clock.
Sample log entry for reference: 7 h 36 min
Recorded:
9 h 22 min
